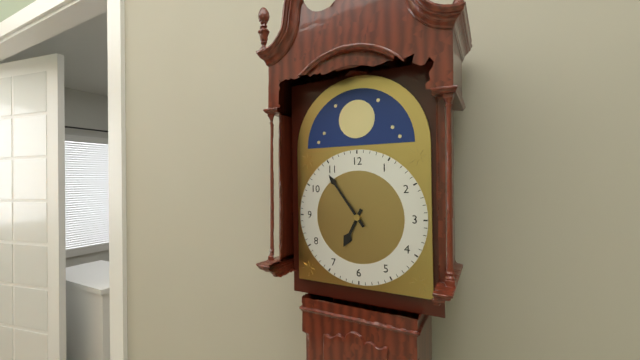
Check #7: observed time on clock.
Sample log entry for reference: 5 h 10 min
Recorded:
6 h 54 min
